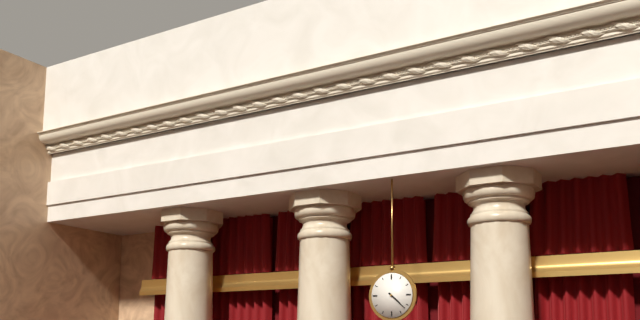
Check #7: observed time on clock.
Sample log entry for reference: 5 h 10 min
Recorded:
4 h 22 min
